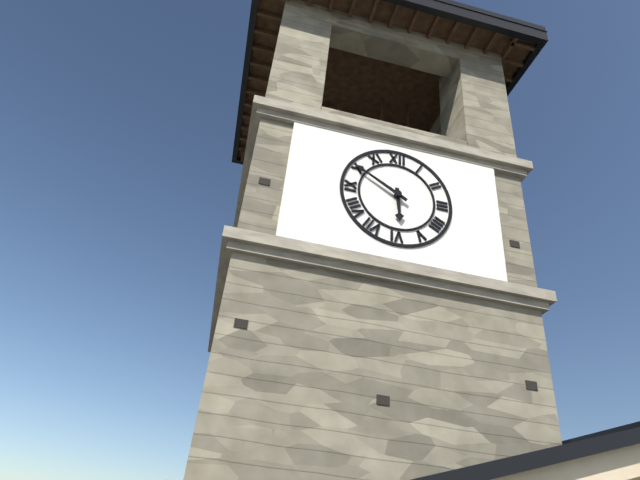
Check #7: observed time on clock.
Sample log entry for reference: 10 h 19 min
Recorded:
5 h 50 min
